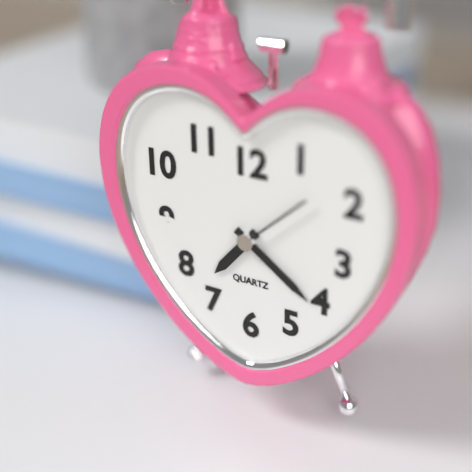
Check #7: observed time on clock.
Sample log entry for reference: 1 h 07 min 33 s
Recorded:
7 h 21 min 08 s
